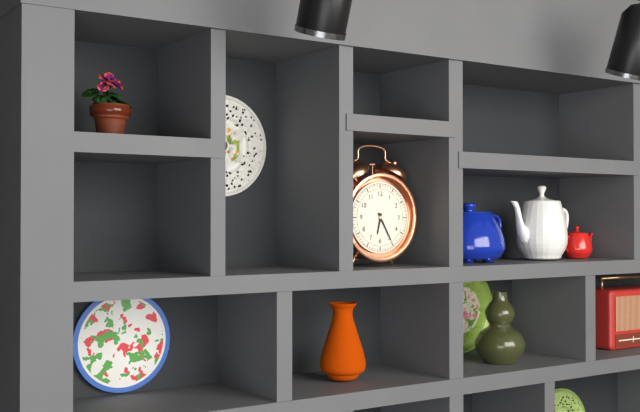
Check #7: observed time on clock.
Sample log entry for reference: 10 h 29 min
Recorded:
6 h 25 min
